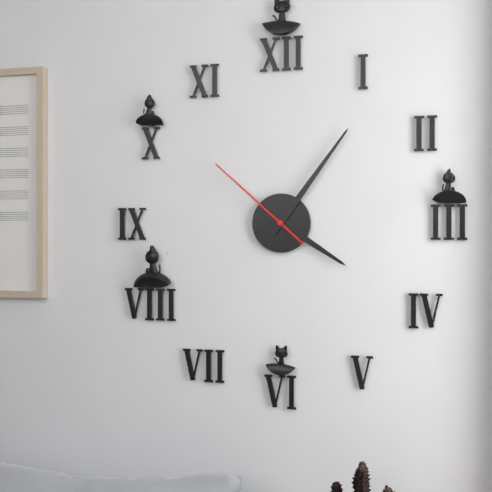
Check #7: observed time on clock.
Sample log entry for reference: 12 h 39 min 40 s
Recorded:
4 h 06 min 52 s
